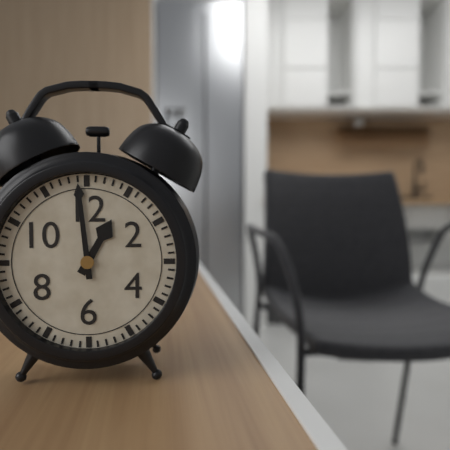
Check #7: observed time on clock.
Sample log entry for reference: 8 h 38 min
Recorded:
12 h 59 min
